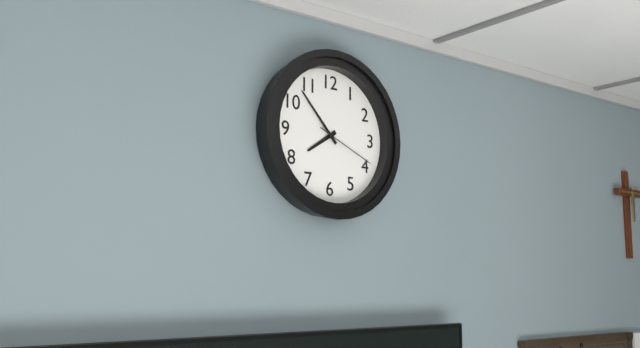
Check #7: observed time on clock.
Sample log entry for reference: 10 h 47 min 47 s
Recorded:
7 h 53 min 19 s
